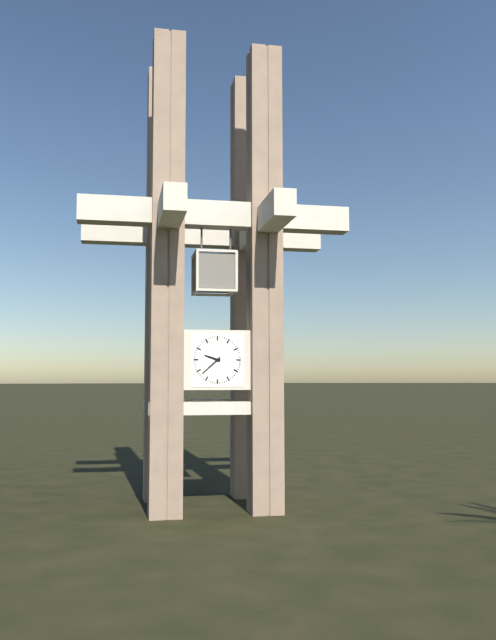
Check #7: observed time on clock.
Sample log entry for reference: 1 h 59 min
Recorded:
9 h 38 min
